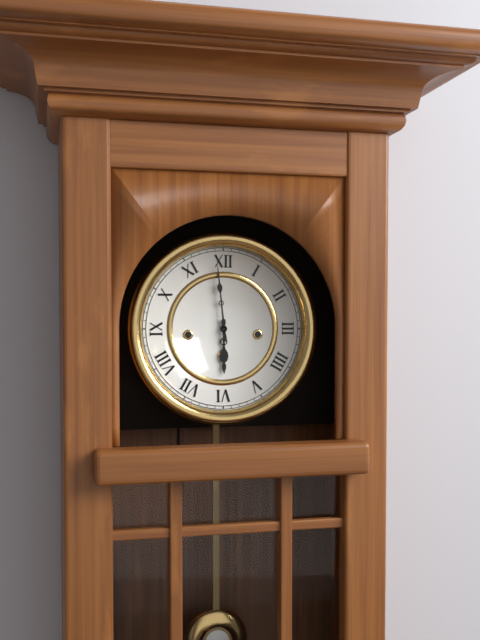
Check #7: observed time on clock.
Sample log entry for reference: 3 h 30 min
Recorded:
5 h 59 min
